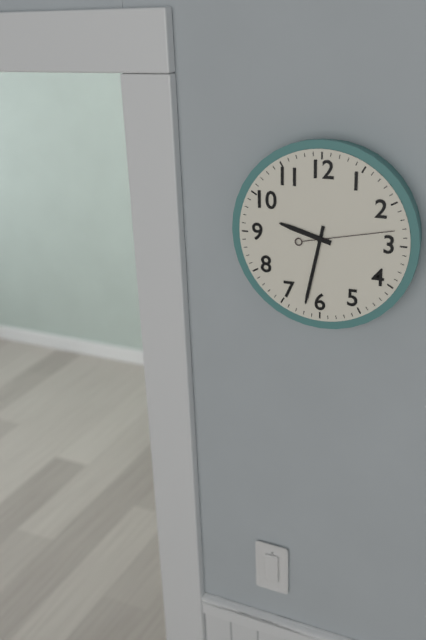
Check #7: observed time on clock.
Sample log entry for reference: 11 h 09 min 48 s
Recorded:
9 h 32 min 13 s
